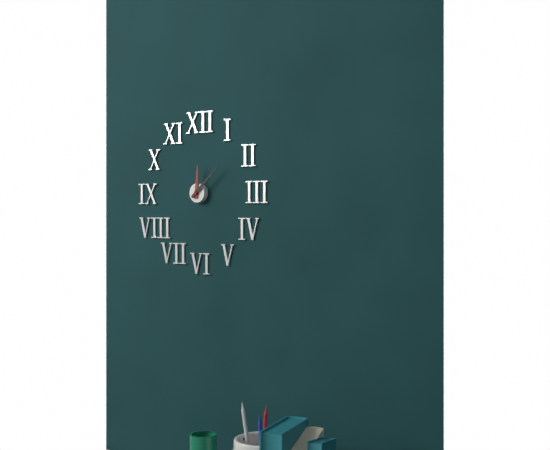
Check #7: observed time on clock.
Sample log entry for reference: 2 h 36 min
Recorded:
12 h 08 min
